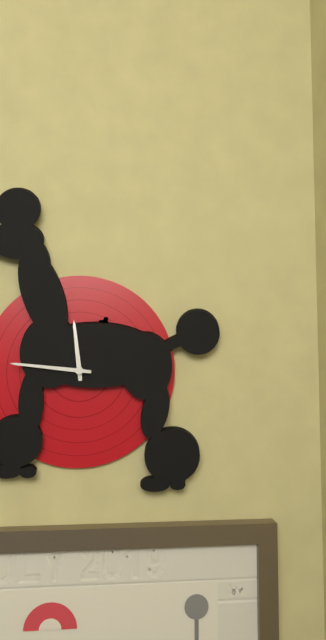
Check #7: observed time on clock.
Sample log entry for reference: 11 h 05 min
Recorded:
11 h 46 min
